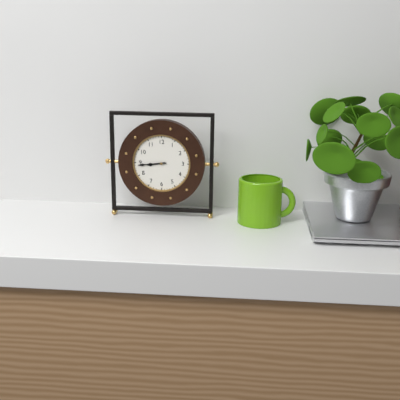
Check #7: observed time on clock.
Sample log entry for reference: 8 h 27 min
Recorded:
8 h 44 min
